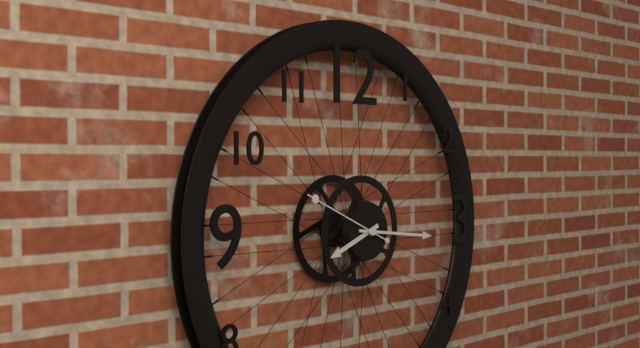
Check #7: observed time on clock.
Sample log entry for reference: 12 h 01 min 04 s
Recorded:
8 h 16 min 49 s
